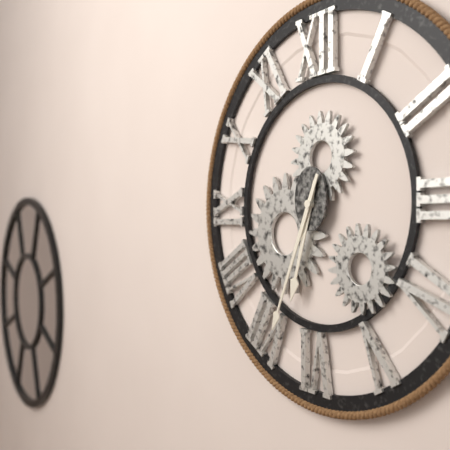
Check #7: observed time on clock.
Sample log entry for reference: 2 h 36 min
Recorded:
6 h 34 min
